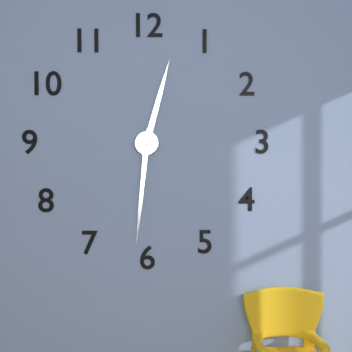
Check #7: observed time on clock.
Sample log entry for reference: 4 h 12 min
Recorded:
12 h 31 min
